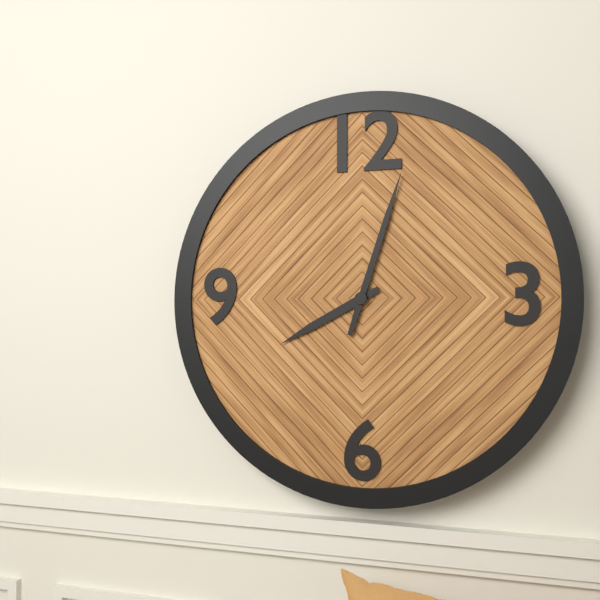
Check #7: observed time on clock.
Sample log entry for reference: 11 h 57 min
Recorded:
8 h 03 min
